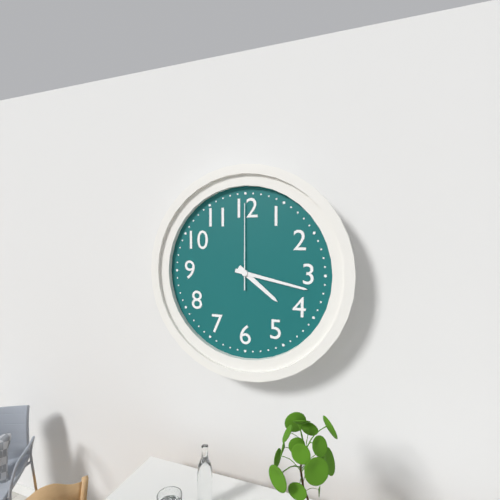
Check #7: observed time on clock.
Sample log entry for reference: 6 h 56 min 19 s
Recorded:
4 h 17 min 00 s
